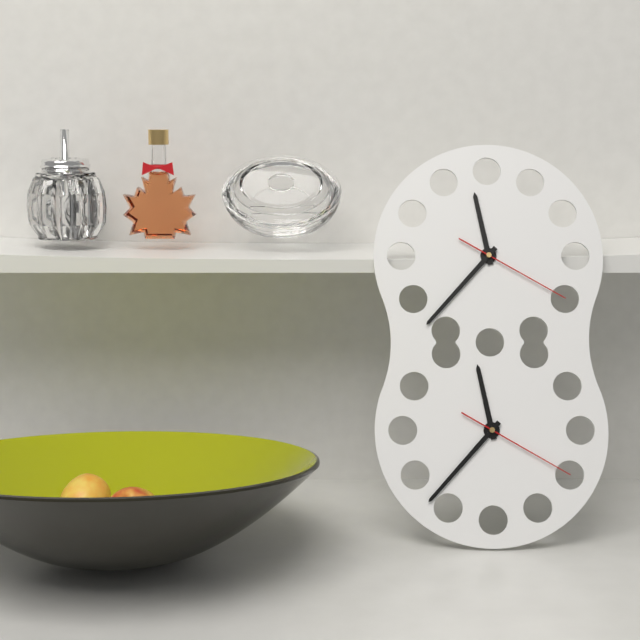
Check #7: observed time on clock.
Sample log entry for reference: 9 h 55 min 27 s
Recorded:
11 h 37 min 20 s
